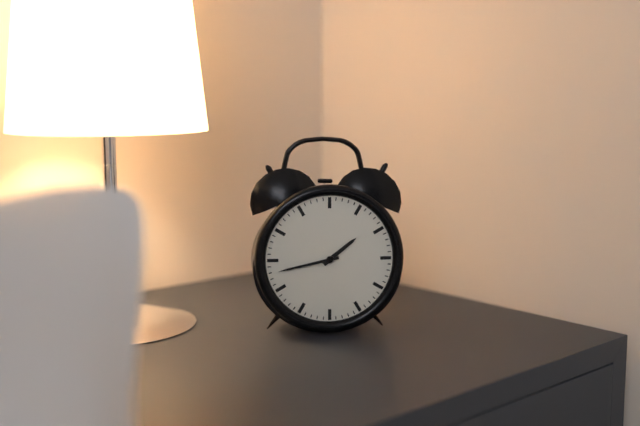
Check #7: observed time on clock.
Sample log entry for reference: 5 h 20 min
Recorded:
1 h 43 min
